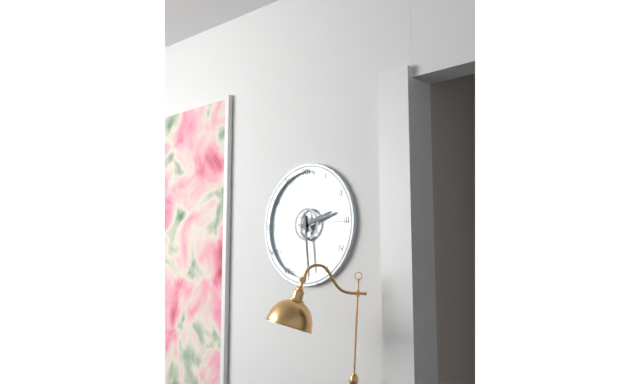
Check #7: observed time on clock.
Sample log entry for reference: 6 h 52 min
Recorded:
2 h 29 min
